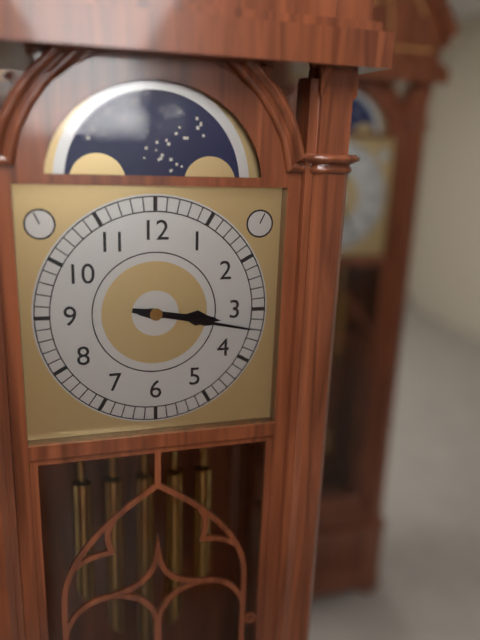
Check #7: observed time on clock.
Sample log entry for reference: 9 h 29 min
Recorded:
3 h 17 min
